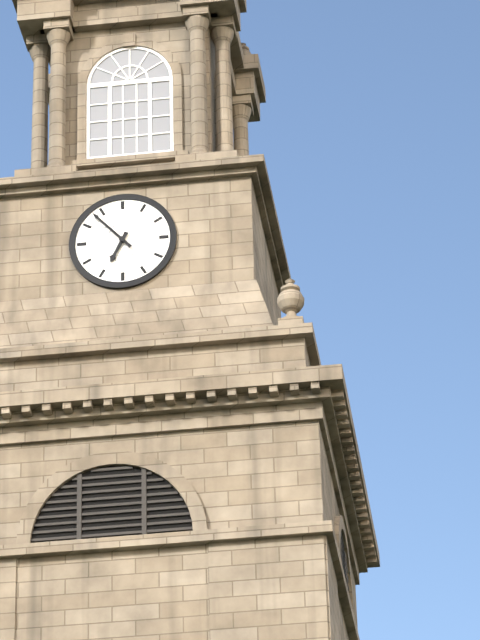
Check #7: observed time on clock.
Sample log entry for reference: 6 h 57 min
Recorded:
6 h 53 min
